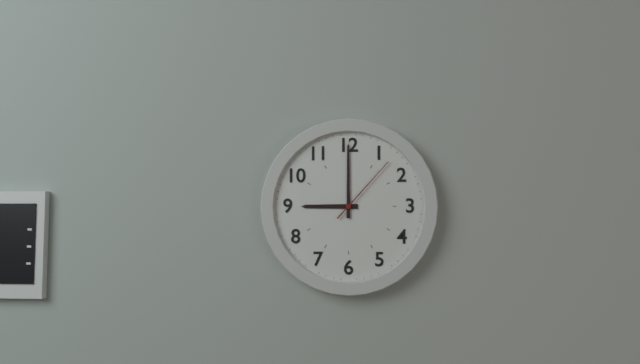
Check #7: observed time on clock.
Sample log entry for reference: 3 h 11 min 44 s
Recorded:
9 h 00 min 07 s
